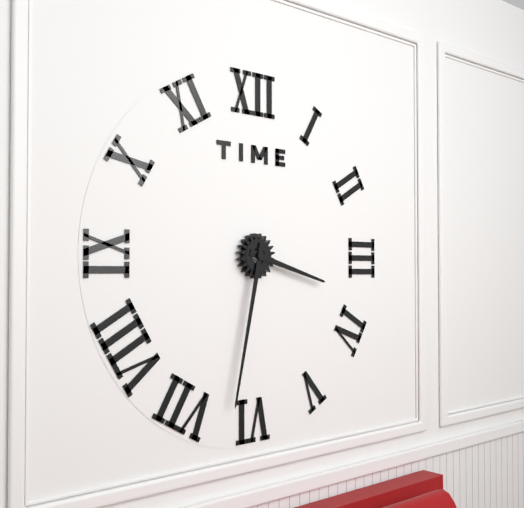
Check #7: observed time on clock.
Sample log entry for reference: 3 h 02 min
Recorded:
3 h 32 min
